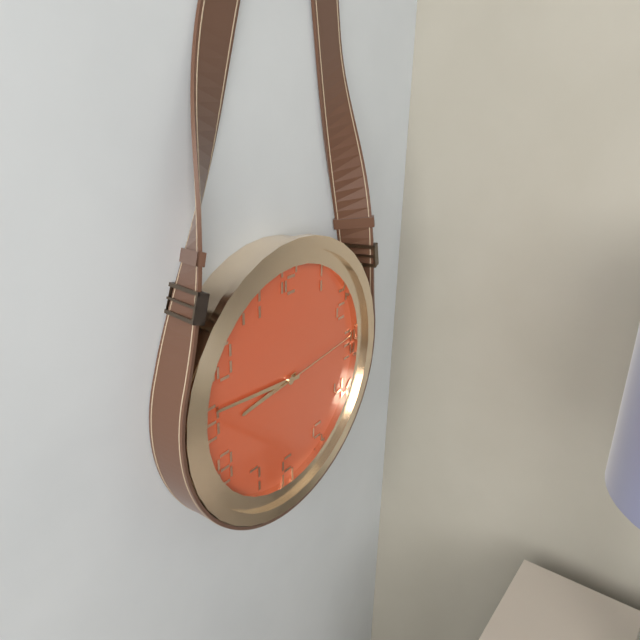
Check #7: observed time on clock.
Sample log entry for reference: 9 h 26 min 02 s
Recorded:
8 h 46 min 14 s
